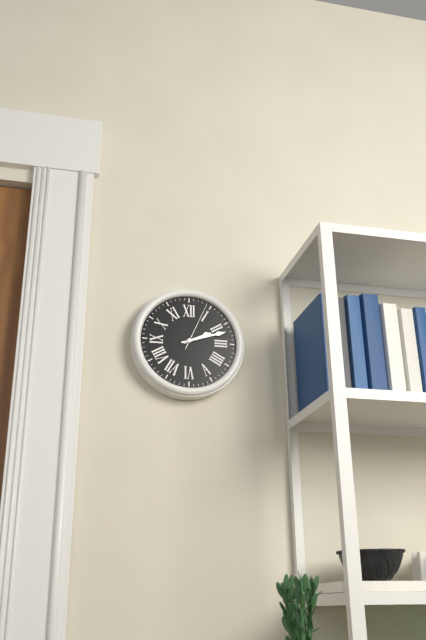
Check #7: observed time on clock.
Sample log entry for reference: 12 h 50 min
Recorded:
2 h 12 min
